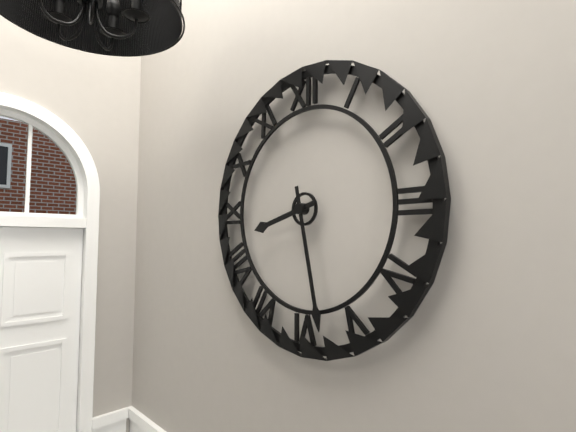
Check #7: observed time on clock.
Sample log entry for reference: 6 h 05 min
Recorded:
8 h 28 min
